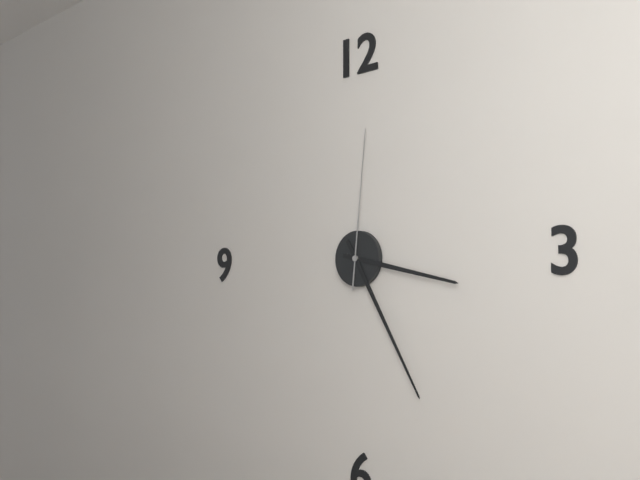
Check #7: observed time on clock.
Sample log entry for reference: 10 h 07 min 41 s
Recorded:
3 h 25 min 01 s
